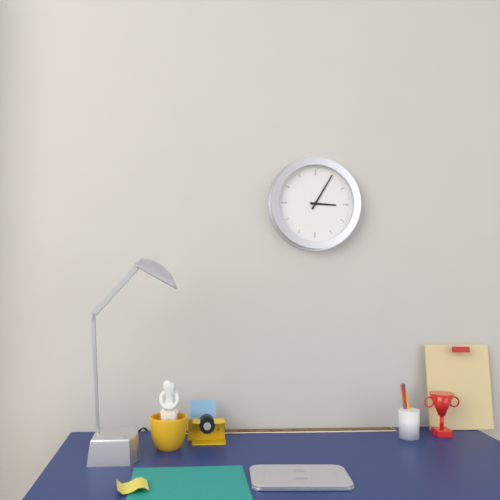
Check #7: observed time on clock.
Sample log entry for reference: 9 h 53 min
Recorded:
3 h 05 min
